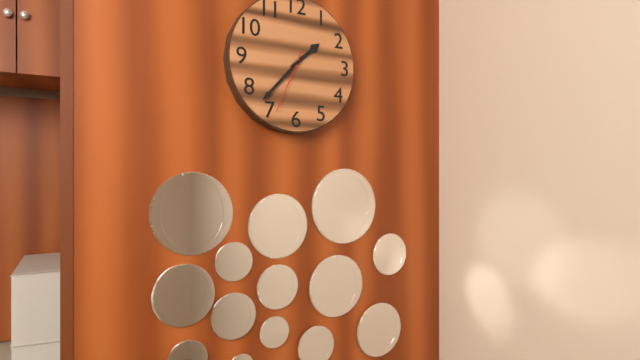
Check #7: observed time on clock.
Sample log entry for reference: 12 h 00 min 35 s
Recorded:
1 h 37 min 34 s
